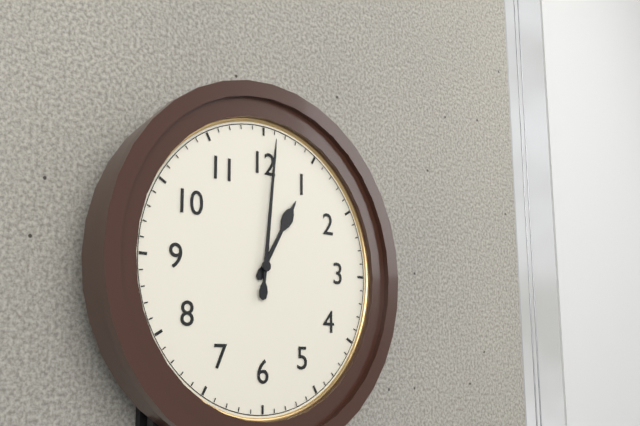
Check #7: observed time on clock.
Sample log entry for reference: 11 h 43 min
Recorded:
1 h 01 min
